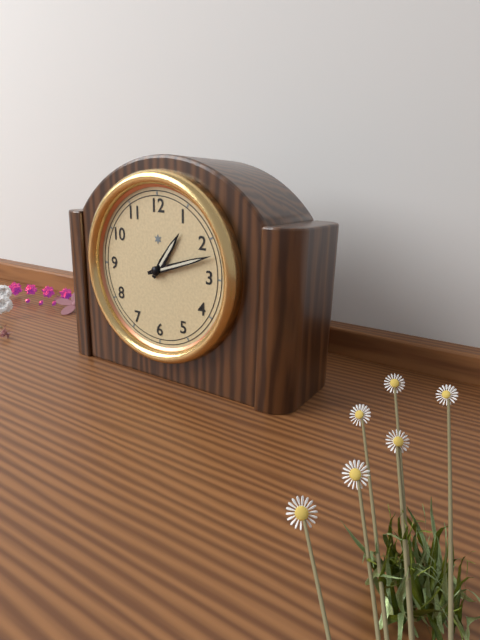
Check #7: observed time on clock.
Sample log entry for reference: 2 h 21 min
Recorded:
1 h 12 min
